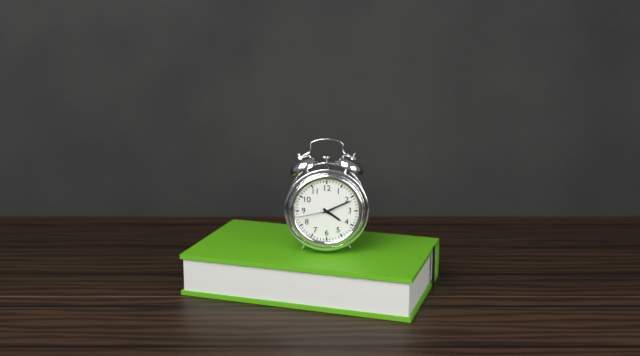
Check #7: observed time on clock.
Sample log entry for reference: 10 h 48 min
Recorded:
4 h 11 min
